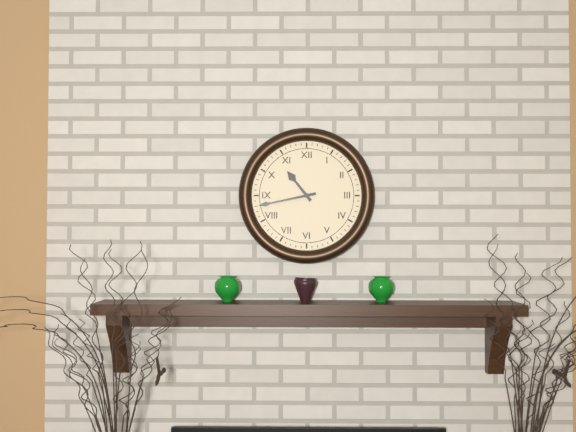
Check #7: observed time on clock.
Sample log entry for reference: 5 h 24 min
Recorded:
10 h 43 min
